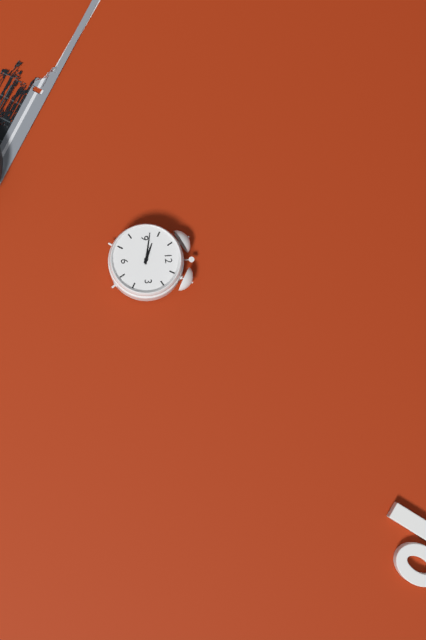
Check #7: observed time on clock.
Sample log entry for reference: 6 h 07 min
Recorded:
9 h 47 min
